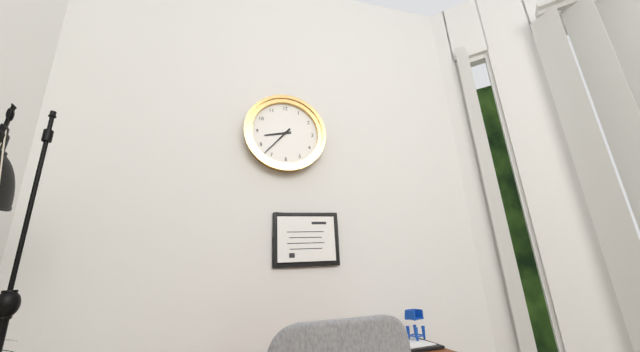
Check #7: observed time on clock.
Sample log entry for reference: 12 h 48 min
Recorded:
8 h 37 min
